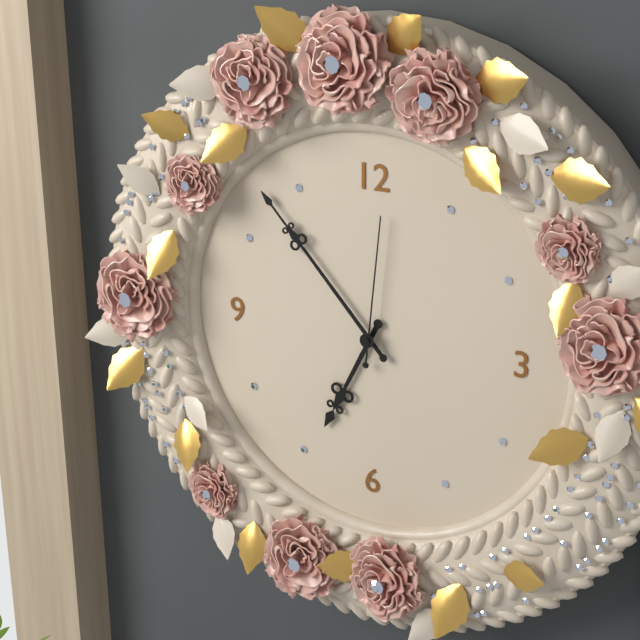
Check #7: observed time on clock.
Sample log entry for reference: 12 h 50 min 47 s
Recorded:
6 h 53 min 01 s
